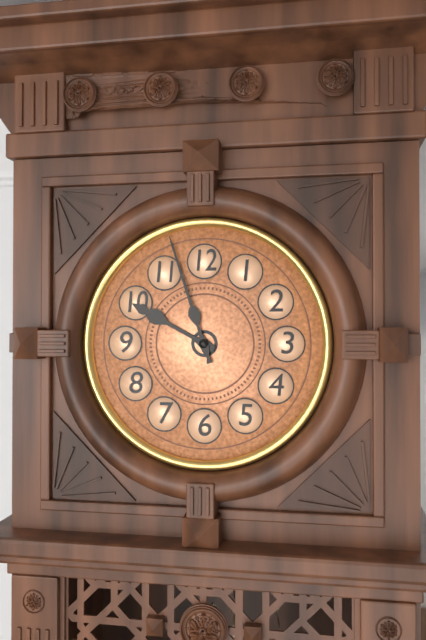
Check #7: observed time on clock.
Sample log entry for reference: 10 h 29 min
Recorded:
9 h 57 min
